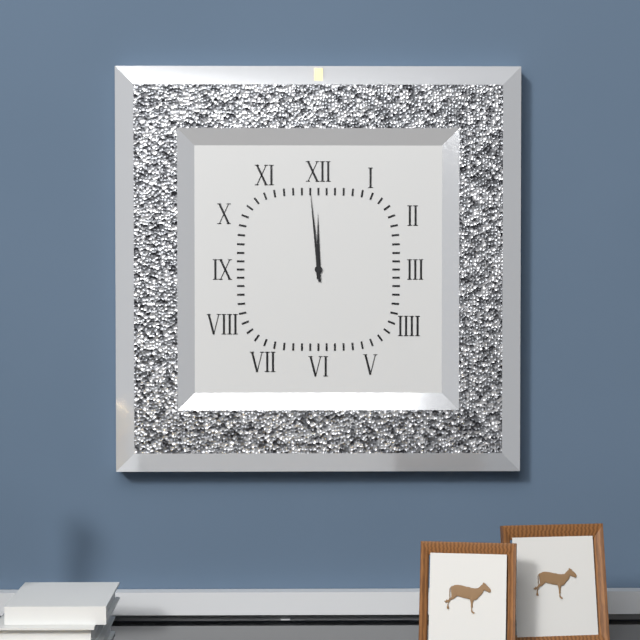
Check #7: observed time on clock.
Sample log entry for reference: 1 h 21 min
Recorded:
11 h 59 min
